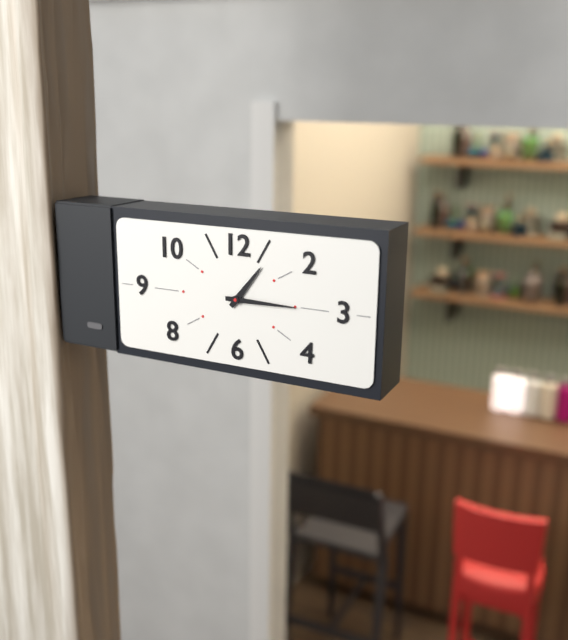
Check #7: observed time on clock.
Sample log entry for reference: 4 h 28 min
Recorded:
1 h 15 min
